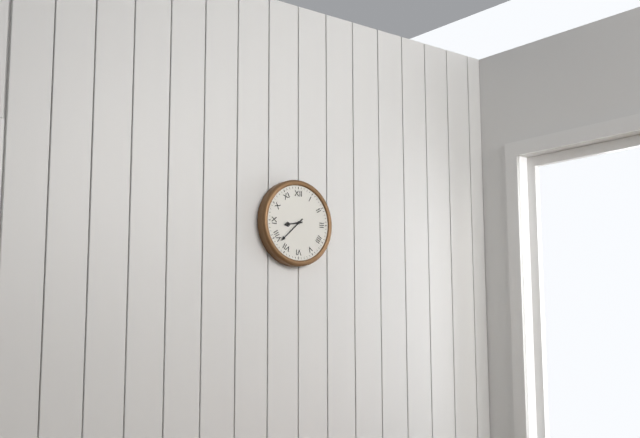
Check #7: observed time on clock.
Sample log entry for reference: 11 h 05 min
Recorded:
8 h 38 min
